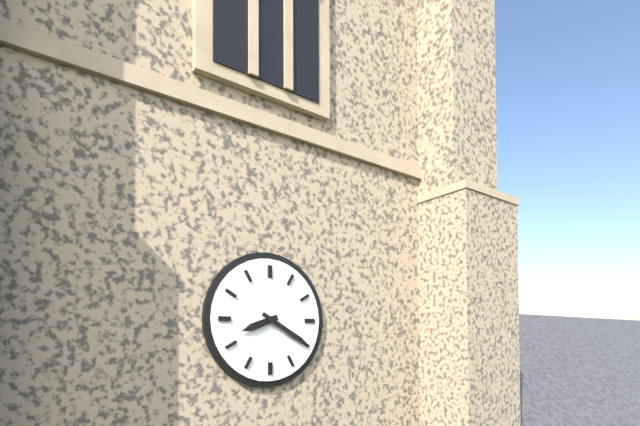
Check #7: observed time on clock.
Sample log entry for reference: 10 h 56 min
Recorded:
8 h 20 min
